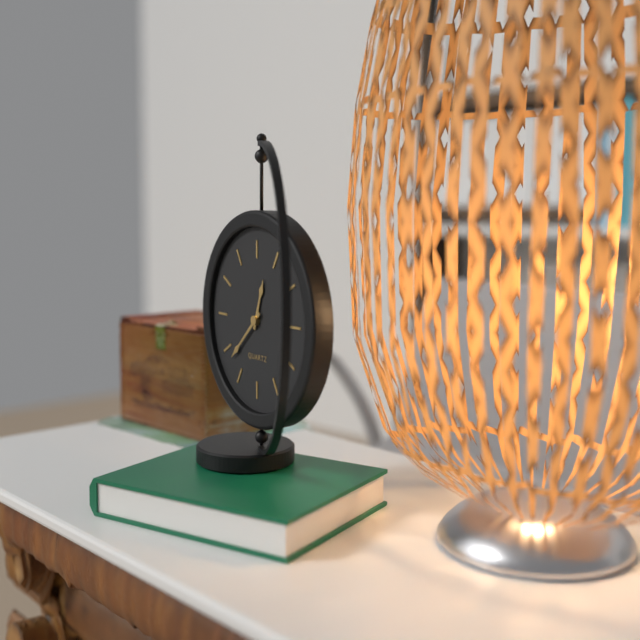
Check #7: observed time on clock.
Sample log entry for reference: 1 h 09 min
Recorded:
12 h 38 min
